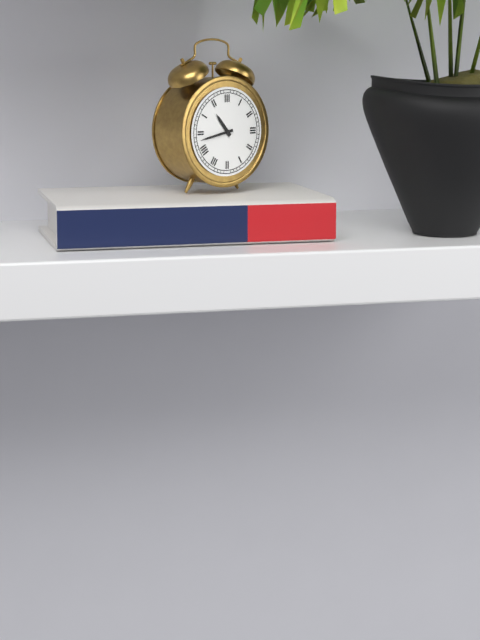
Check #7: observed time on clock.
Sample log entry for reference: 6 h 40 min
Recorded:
10 h 43 min
